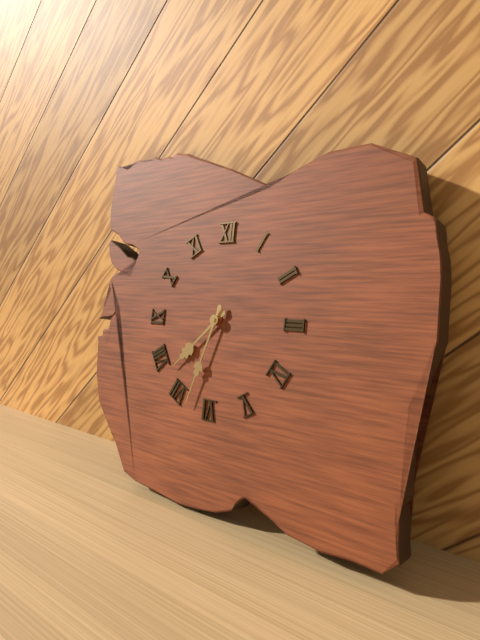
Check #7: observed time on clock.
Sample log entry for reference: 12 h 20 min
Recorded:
7 h 33 min
